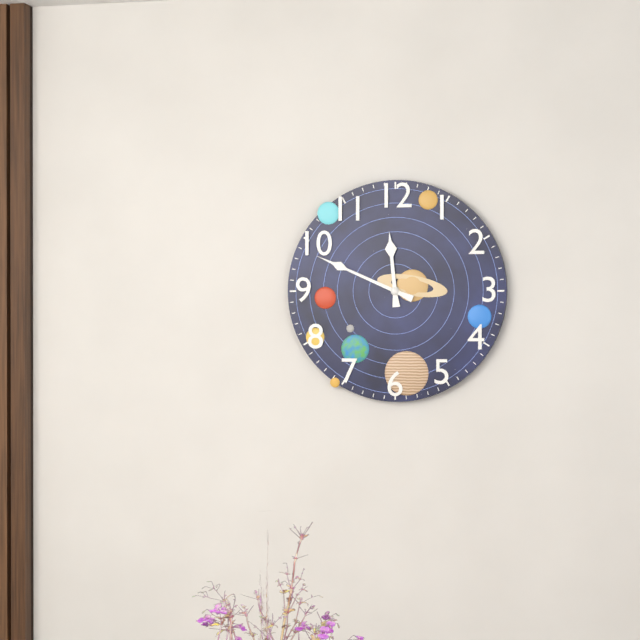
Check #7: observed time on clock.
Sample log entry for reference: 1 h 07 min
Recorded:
11 h 49 min
